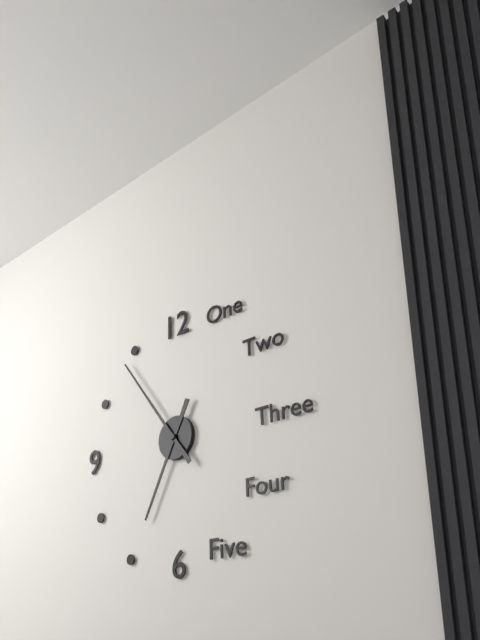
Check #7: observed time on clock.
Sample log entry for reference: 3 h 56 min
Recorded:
6 h 54 min
